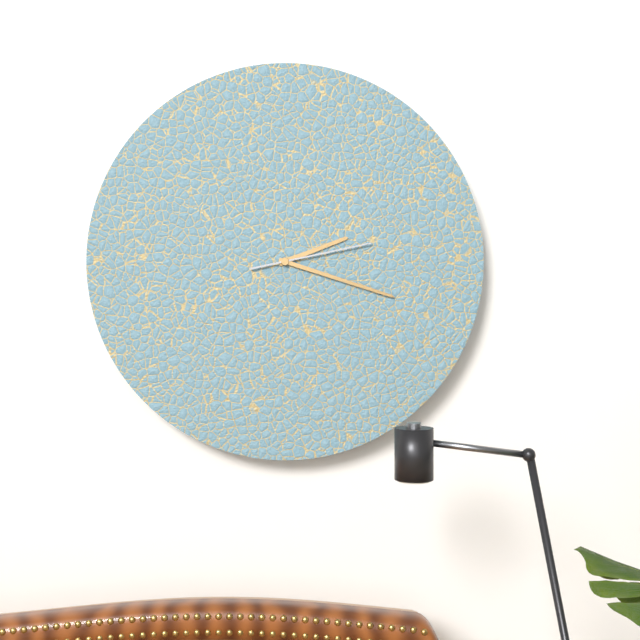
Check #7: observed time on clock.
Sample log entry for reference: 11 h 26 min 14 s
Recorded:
2 h 18 min 13 s
